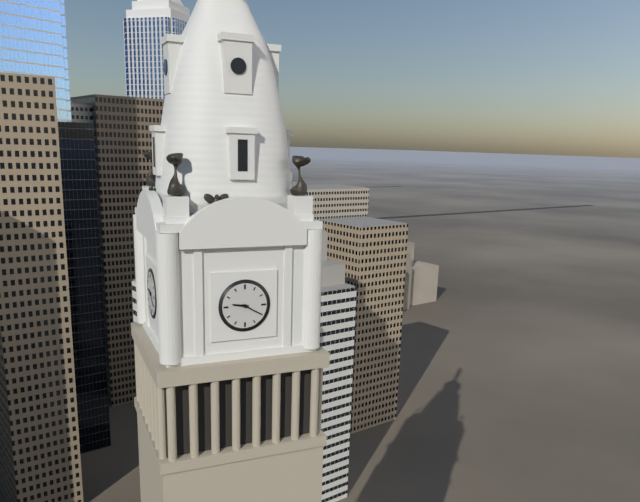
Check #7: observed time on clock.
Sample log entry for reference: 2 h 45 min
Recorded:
9 h 20 min
